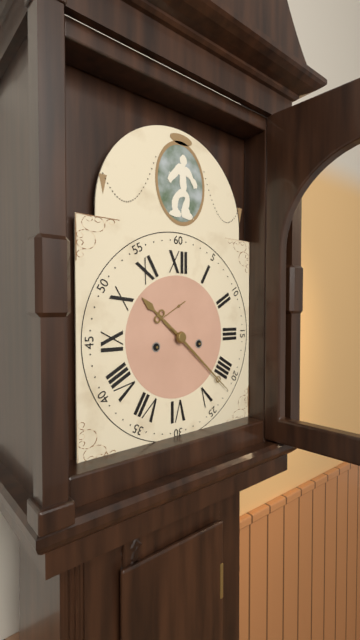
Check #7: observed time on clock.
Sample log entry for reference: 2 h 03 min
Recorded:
10 h 22 min
